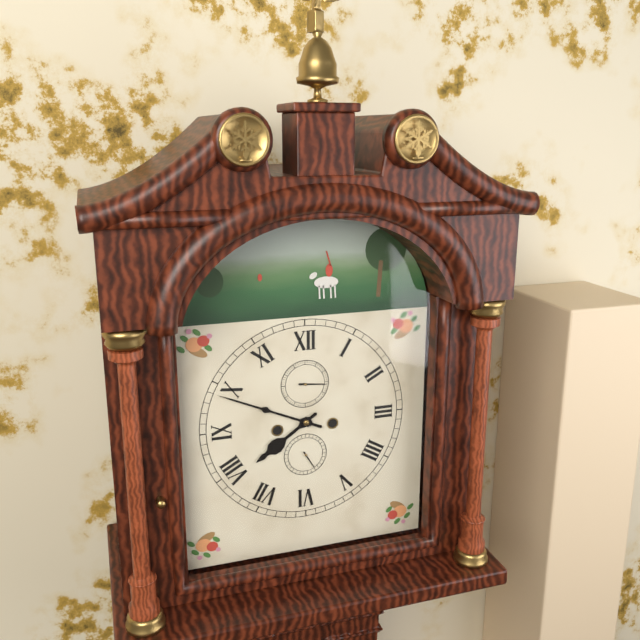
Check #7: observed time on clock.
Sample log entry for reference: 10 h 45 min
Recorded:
7 h 49 min
